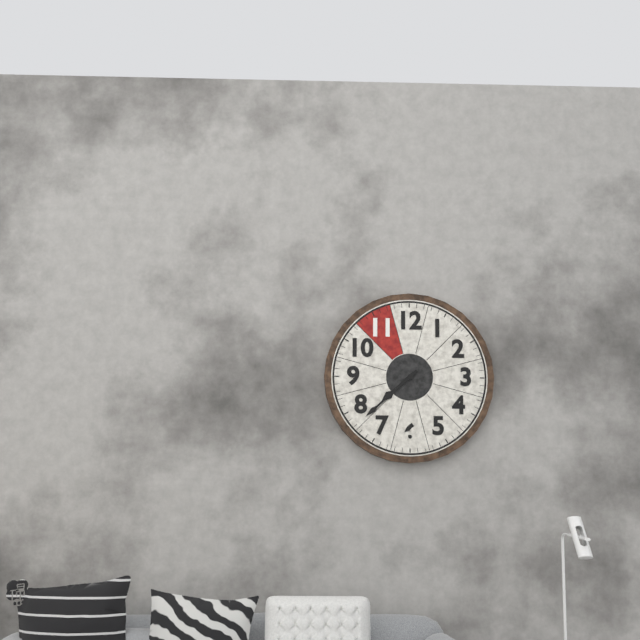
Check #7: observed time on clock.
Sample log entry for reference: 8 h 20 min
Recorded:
7 h 38 min
